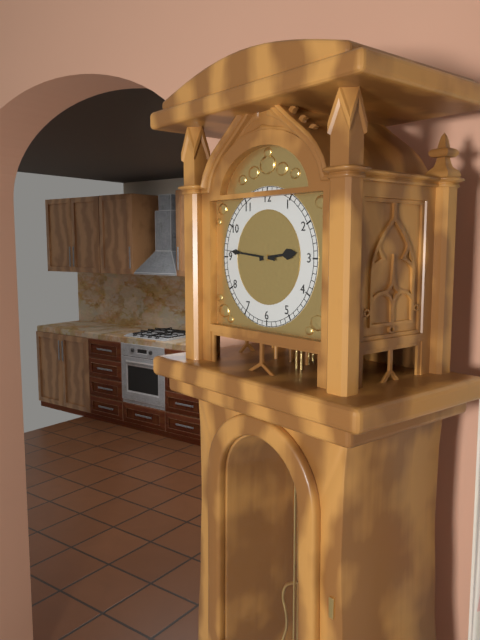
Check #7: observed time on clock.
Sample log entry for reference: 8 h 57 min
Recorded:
2 h 46 min
